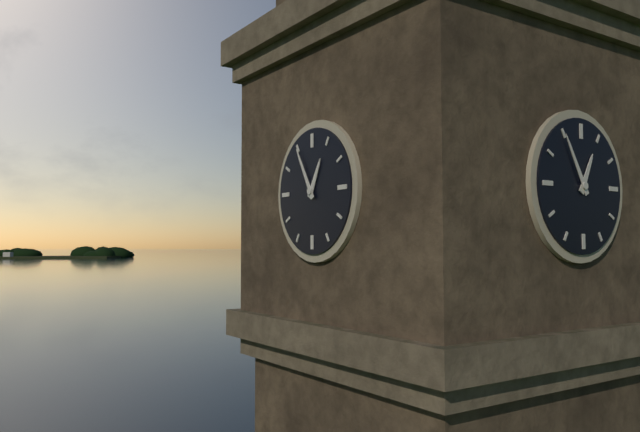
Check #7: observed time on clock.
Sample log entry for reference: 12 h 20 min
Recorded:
12 h 55 min
